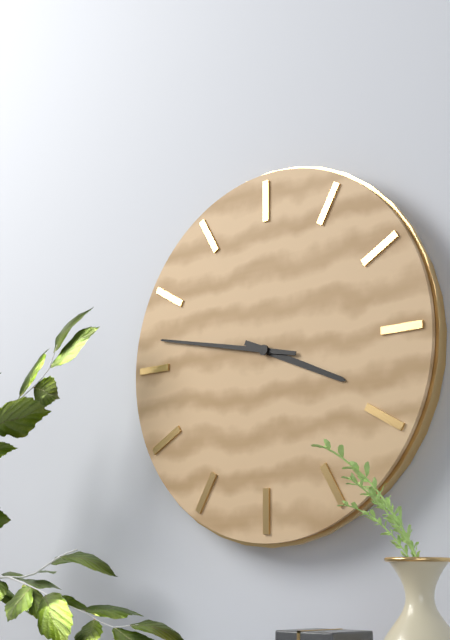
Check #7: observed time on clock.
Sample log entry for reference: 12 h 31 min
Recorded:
3 h 47 min
